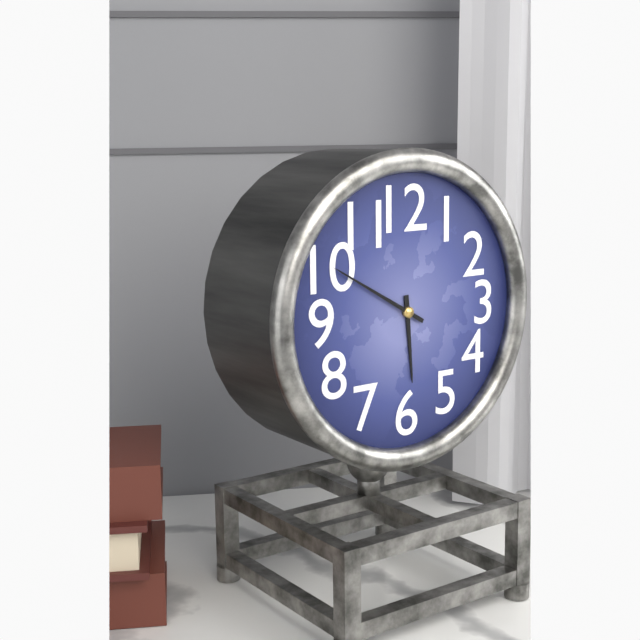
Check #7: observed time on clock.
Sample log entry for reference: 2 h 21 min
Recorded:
5 h 50 min
